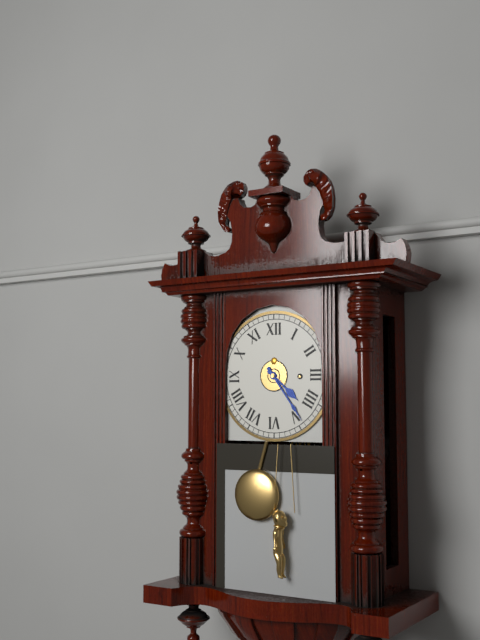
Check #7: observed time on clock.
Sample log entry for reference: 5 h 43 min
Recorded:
4 h 24 min
